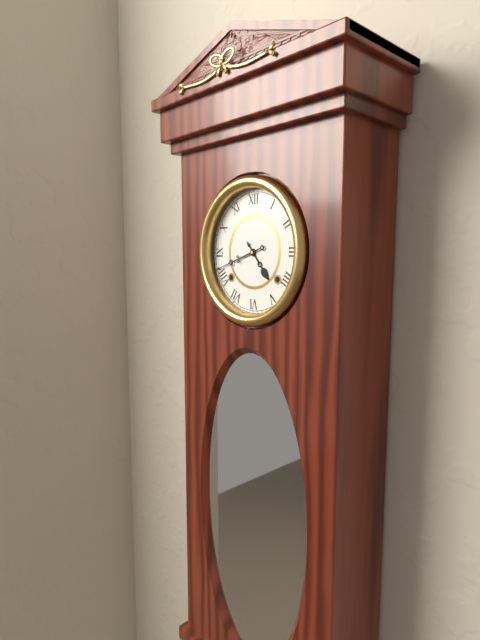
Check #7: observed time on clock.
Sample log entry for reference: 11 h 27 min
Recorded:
4 h 42 min
